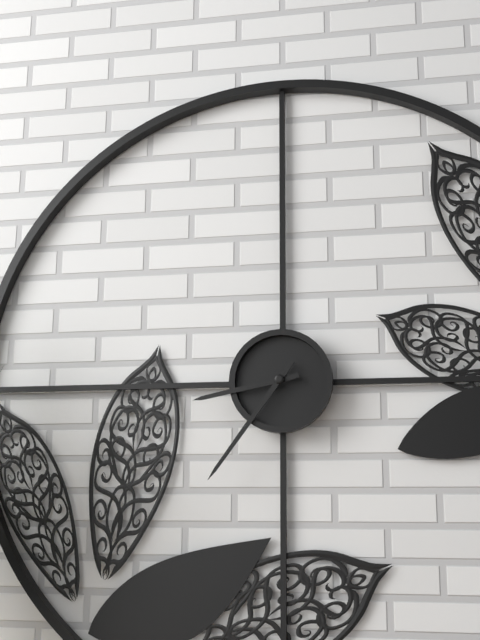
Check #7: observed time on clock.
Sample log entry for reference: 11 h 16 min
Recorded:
8 h 36 min
